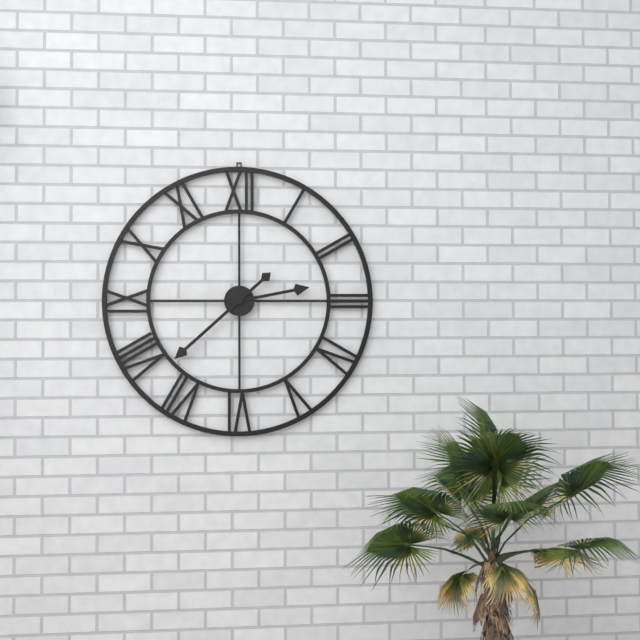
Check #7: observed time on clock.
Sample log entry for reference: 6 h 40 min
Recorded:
2 h 38 min
